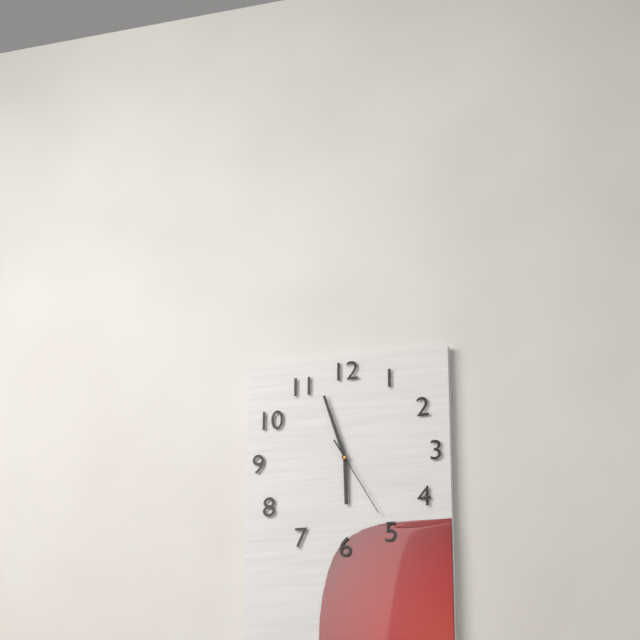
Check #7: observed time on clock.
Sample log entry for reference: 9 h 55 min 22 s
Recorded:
5 h 57 min 25 s
